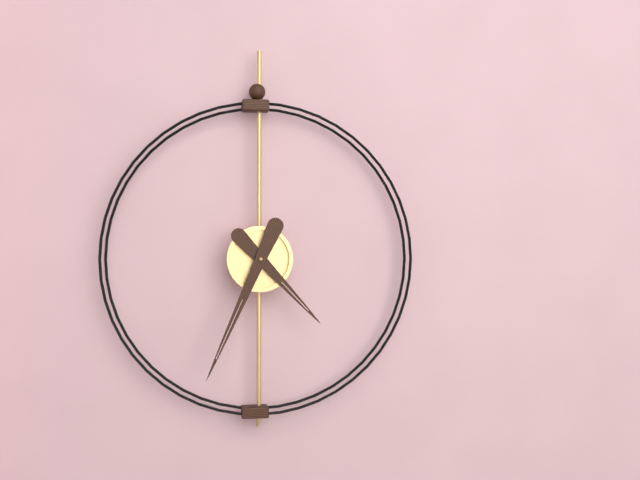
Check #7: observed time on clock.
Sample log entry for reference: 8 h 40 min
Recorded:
4 h 34 min
